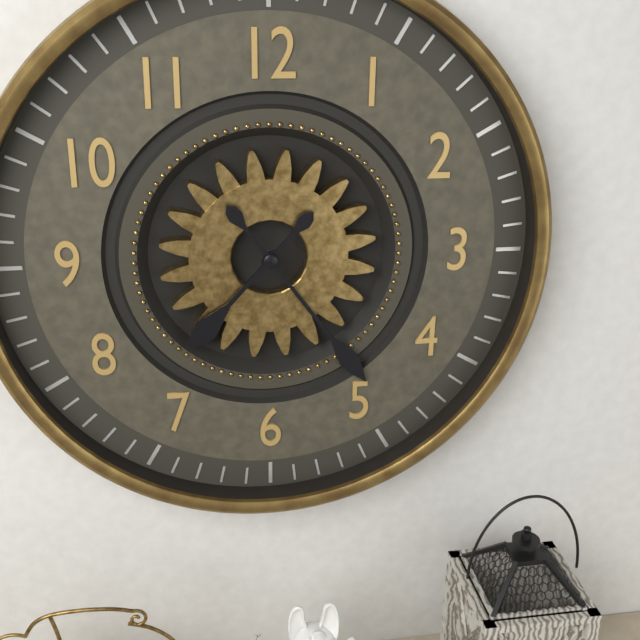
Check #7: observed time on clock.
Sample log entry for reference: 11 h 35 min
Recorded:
7 h 24 min
